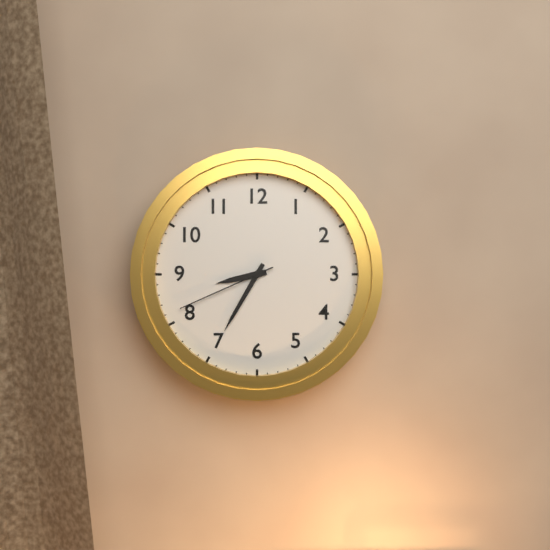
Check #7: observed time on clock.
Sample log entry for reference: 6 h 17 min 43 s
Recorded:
8 h 35 min 41 s
